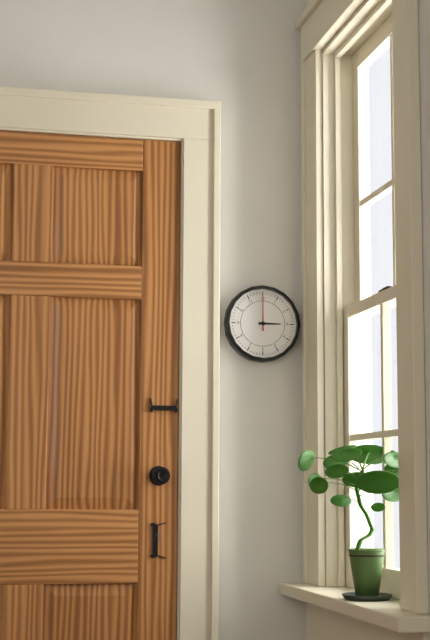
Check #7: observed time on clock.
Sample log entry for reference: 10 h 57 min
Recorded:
3 h 00 min
